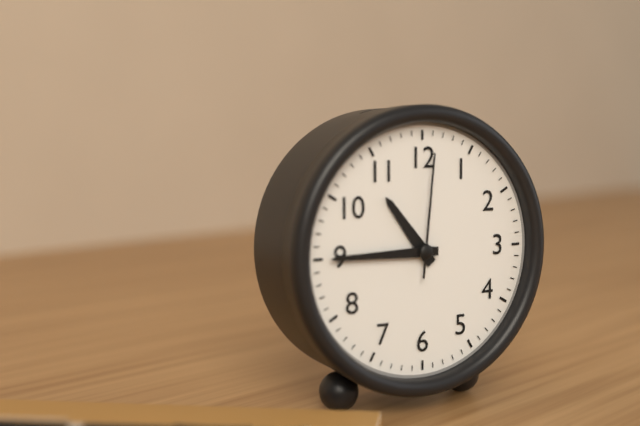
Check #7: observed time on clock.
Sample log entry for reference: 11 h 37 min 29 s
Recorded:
10 h 45 min 01 s
